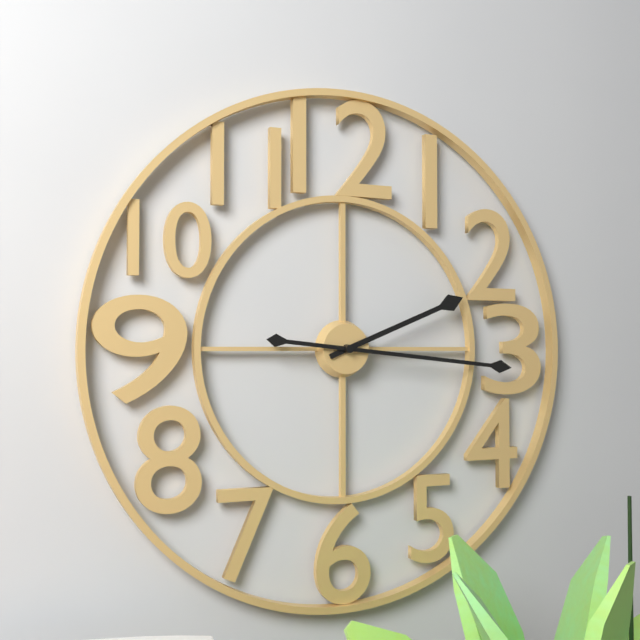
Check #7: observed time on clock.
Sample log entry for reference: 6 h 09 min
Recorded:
2 h 16 min
